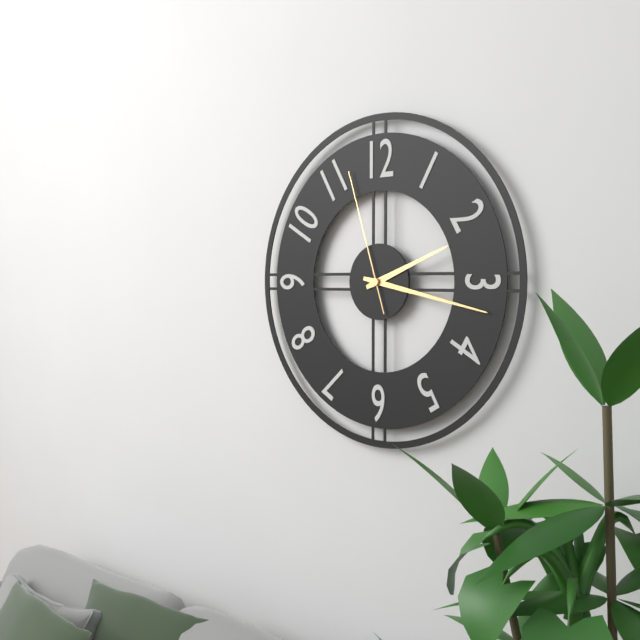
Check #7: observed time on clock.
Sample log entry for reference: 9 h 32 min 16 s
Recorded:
2 h 17 min 57 s
